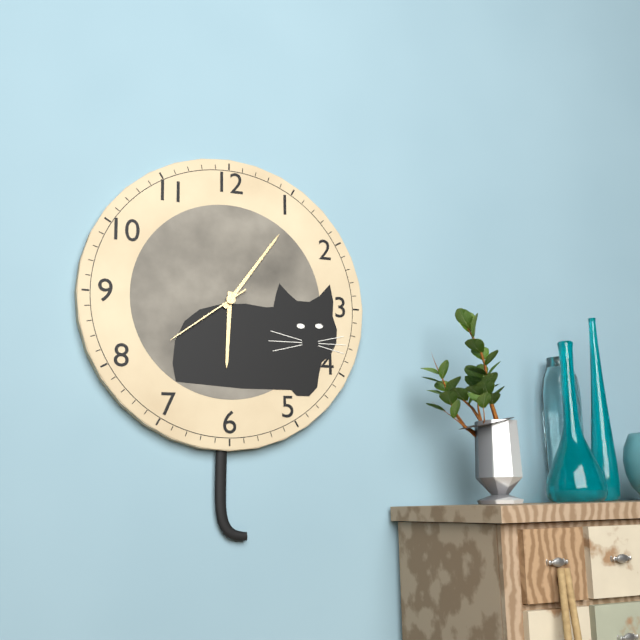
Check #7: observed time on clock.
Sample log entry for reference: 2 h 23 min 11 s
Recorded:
6 h 06 min 39 s
